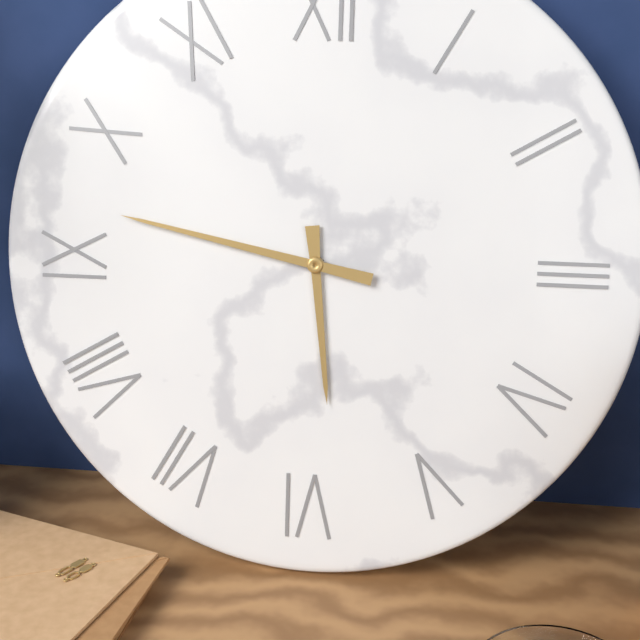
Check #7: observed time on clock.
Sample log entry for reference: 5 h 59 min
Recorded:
5 h 47 min
